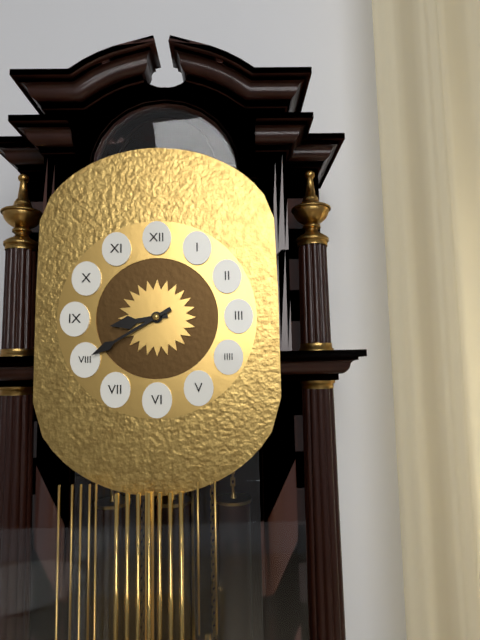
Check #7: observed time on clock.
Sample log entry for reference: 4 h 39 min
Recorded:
8 h 40 min
